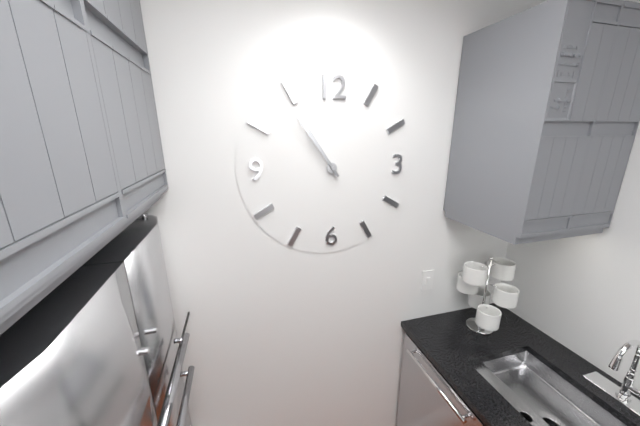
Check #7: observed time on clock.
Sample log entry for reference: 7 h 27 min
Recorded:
10 h 54 min
